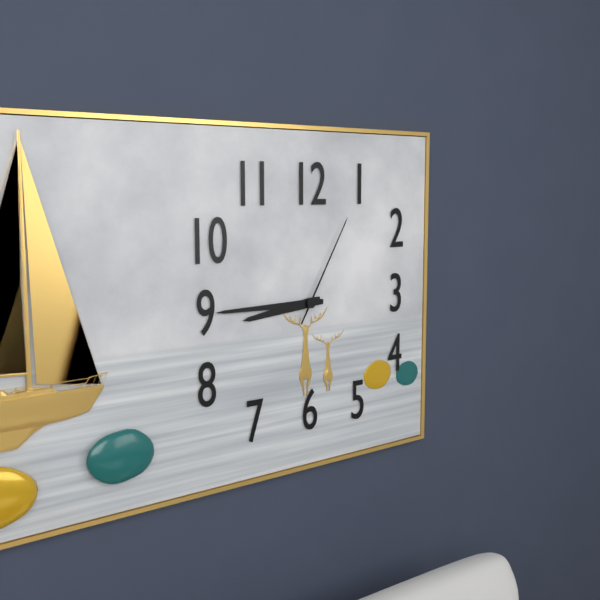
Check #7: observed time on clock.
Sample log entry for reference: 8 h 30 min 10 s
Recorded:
8 h 45 min 05 s
